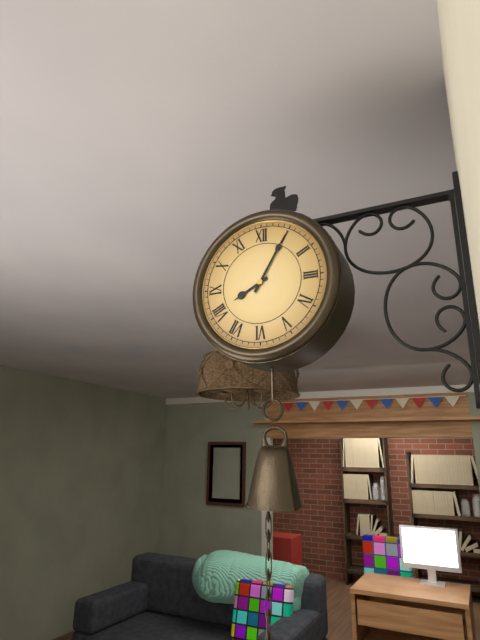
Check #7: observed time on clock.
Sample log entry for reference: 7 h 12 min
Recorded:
8 h 05 min
